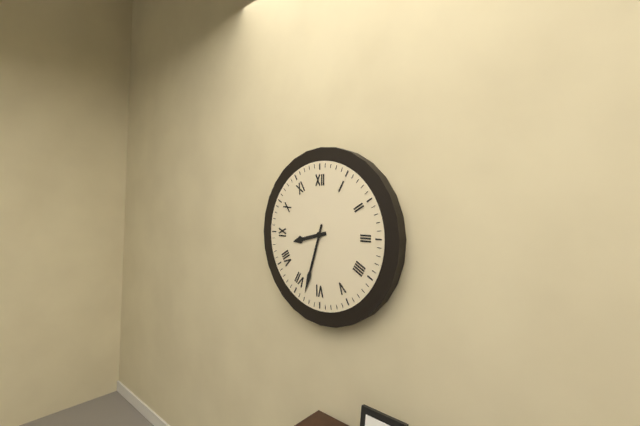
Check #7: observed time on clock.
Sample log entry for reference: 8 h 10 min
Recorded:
8 h 33 min
